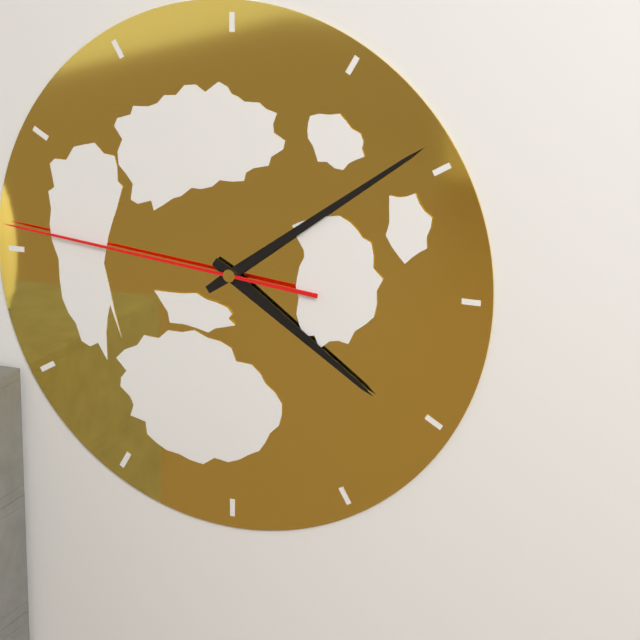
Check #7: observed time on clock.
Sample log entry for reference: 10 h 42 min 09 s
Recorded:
4 h 09 min 46 s
